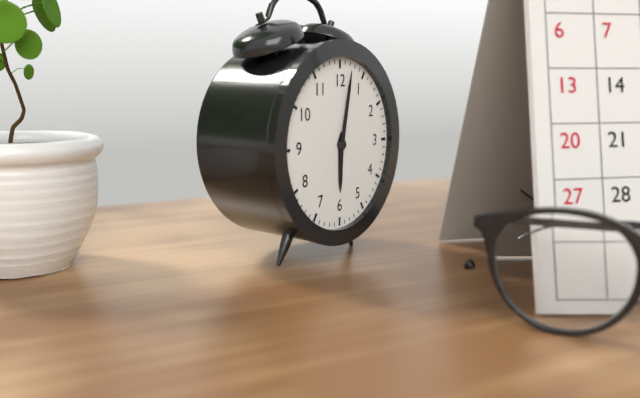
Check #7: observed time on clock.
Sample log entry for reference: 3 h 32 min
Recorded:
6 h 02 min
